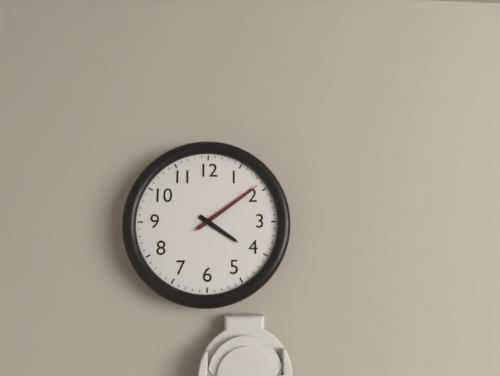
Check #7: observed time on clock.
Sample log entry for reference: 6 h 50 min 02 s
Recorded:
4 h 09 min 09 s
